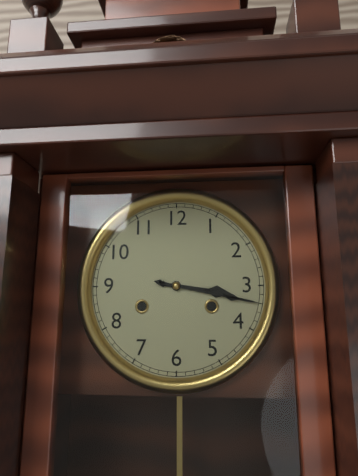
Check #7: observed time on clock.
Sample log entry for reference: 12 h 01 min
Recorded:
3 h 17 min
